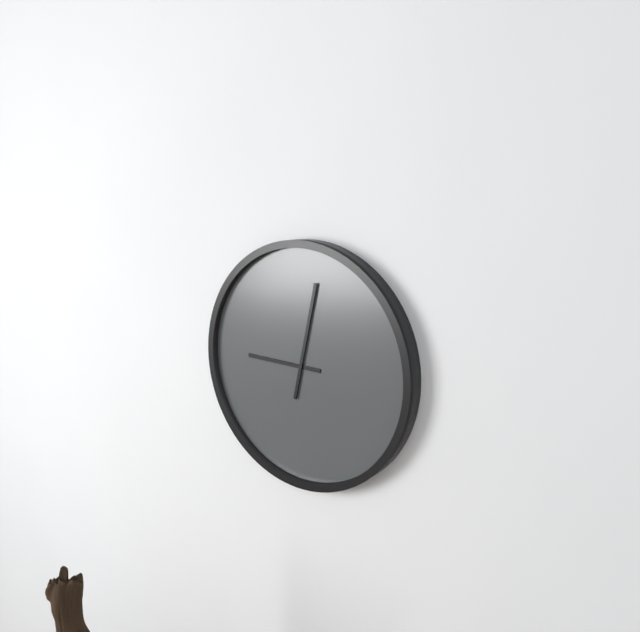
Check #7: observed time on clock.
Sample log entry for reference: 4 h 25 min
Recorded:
9 h 02 min
